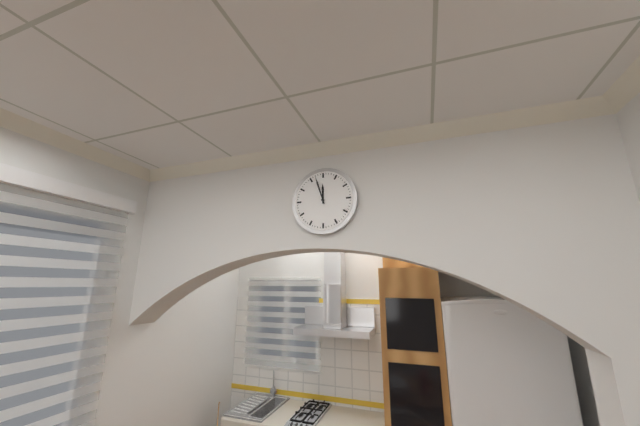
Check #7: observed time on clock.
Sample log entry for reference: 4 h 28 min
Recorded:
11 h 57 min
